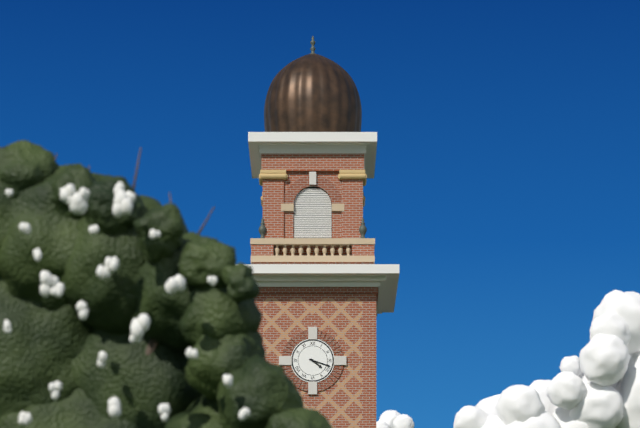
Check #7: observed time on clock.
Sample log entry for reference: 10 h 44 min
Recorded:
4 h 18 min
